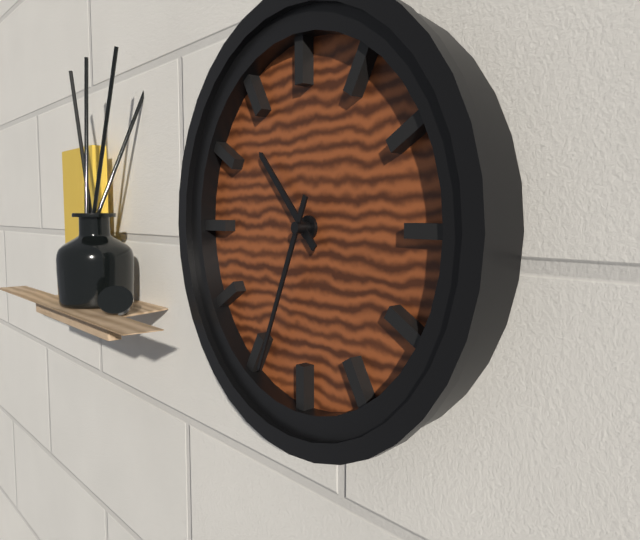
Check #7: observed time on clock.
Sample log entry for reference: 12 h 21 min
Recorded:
10 h 34 min
